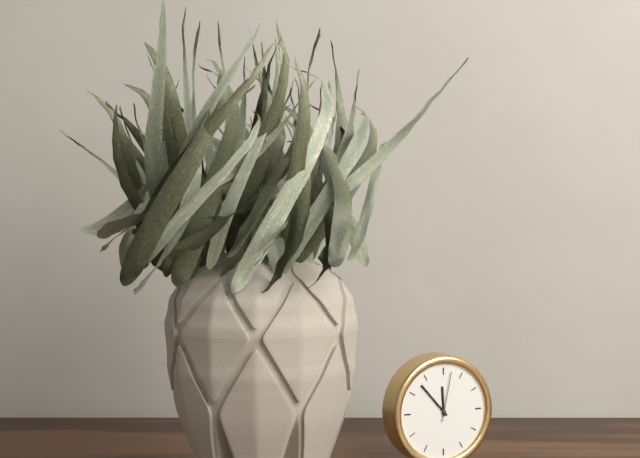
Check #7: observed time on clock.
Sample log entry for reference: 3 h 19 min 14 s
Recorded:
11 h 53 min 02 s
